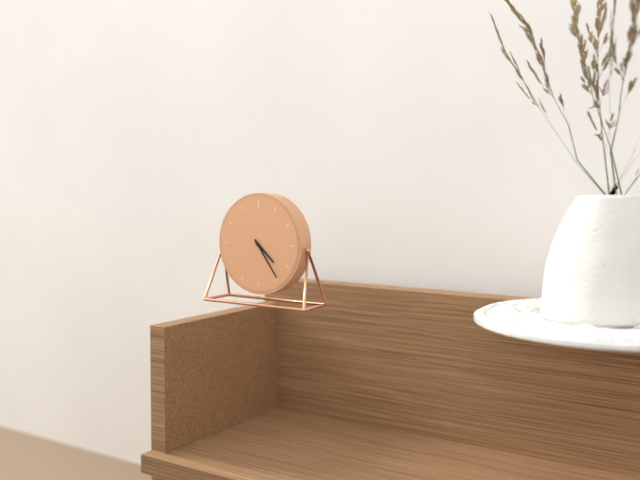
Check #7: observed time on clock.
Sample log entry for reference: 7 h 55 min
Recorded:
4 h 24 min
